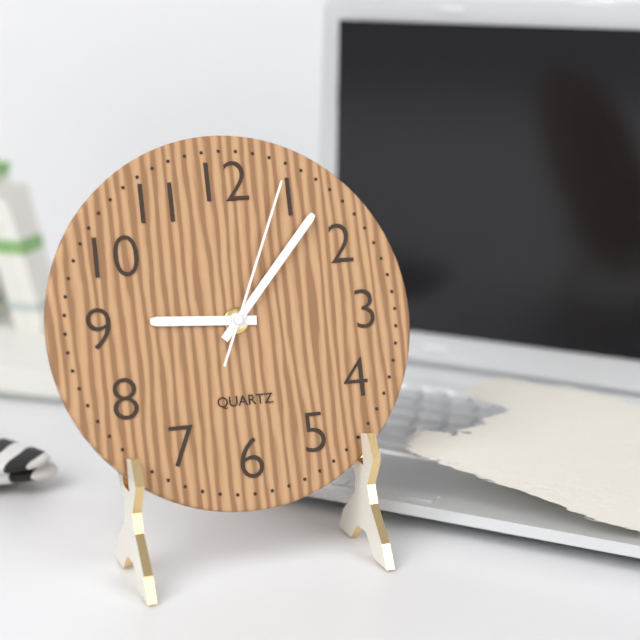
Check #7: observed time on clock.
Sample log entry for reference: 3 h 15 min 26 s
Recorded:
9 h 07 min 04 s
